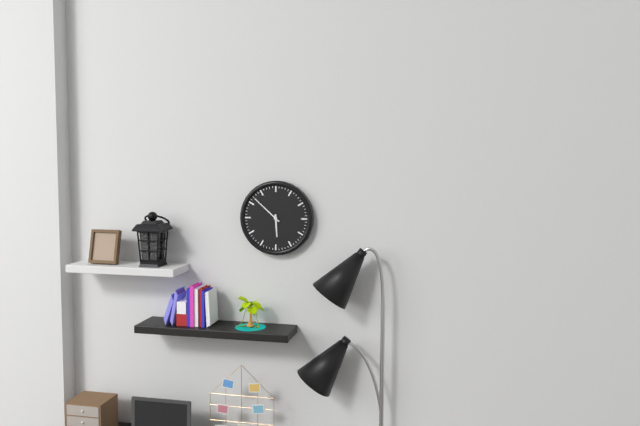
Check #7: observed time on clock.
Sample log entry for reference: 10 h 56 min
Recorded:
5 h 52 min
